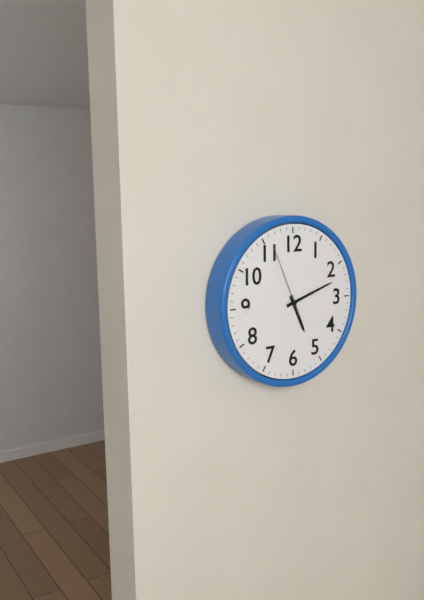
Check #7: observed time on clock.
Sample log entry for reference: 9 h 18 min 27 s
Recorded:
5 h 12 min 56 s
